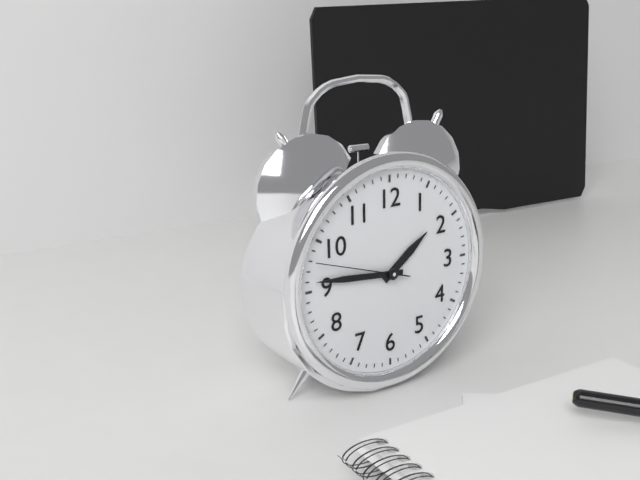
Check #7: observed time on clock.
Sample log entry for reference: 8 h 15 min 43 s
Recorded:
1 h 46 min 48 s
